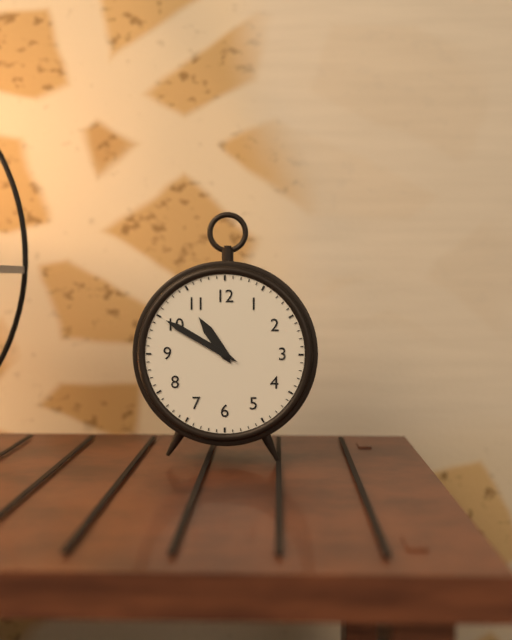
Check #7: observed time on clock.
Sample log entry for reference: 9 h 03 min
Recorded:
10 h 50 min
